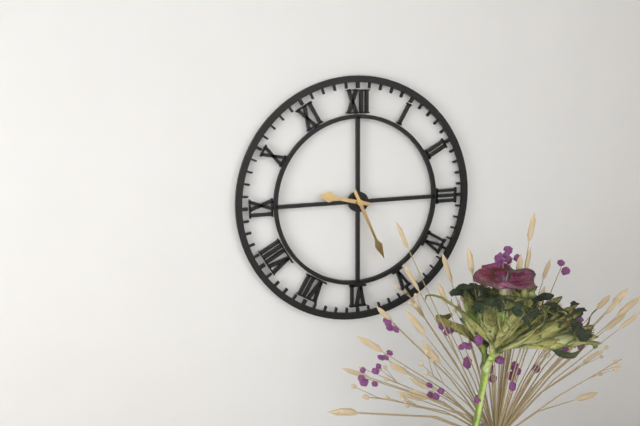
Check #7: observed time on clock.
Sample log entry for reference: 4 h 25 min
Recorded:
9 h 26 min
